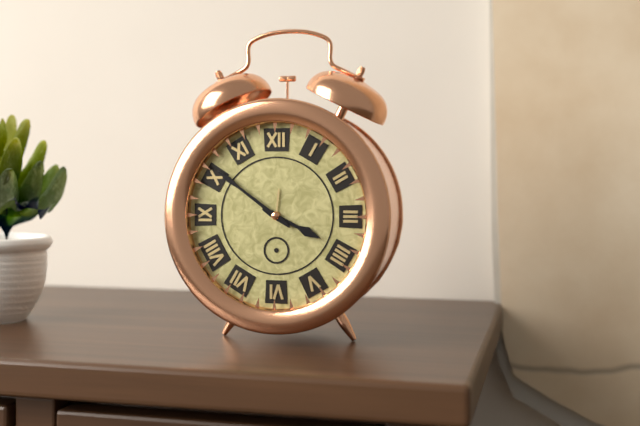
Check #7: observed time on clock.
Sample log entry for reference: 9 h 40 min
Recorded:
3 h 51 min
